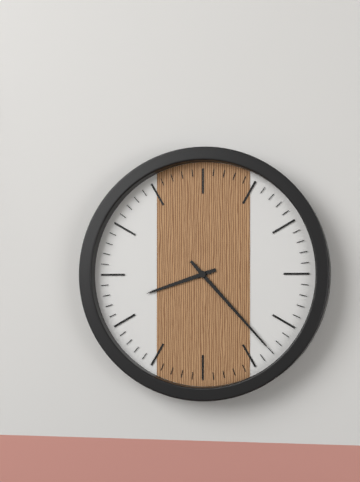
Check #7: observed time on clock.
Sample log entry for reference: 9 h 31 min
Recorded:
8 h 23 min
